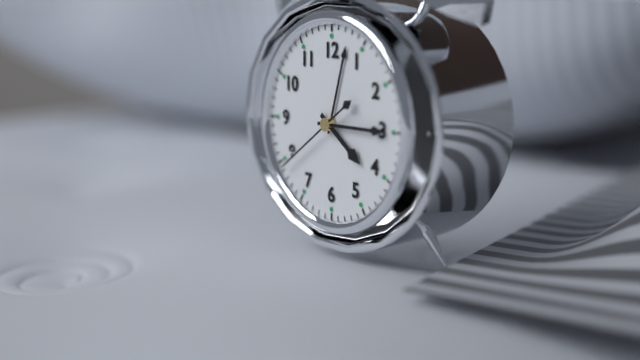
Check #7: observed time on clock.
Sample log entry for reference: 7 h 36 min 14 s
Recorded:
4 h 15 min 39 s
